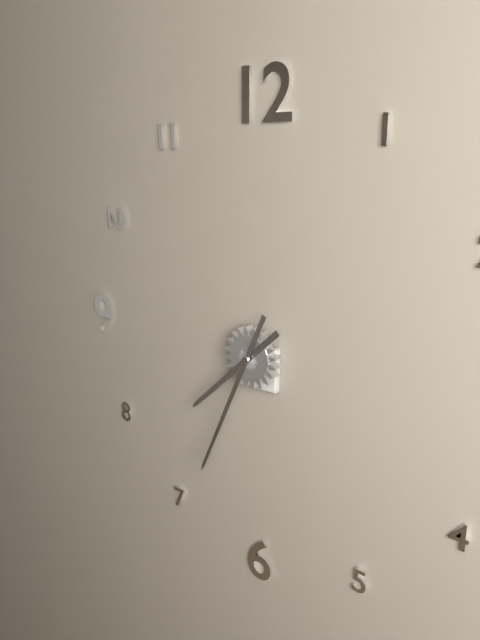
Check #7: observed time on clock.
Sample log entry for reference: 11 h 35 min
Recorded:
7 h 34 min
